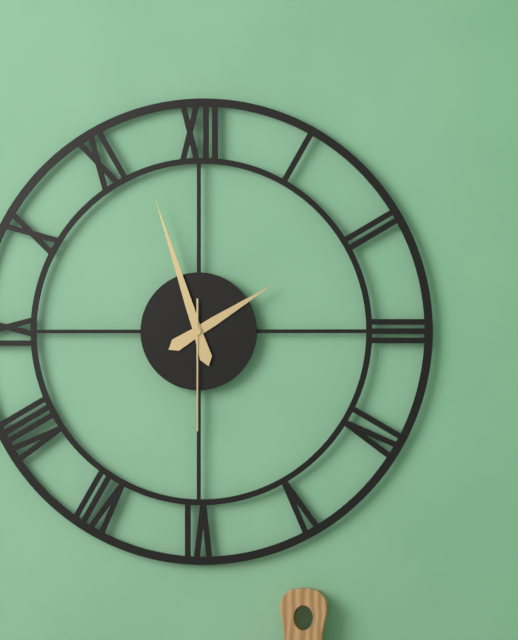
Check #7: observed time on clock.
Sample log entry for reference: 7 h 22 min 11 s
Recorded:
1 h 57 min 30 s
